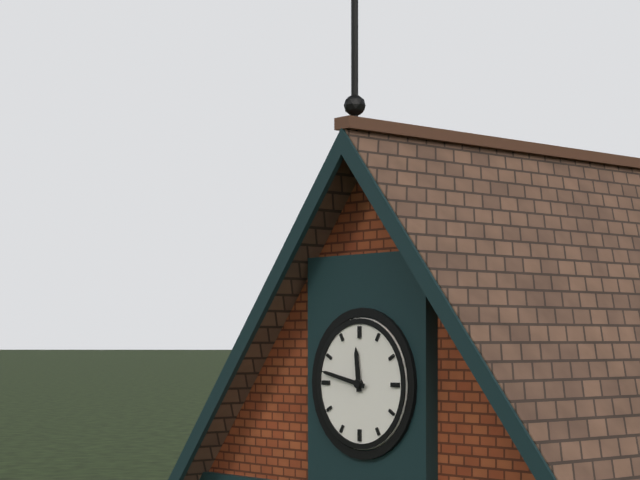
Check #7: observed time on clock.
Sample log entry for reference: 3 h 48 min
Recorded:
11 h 47 min
